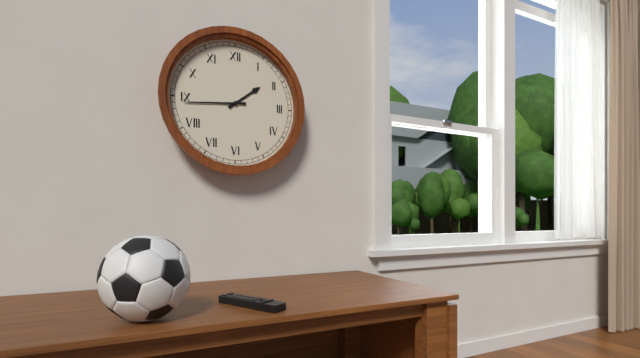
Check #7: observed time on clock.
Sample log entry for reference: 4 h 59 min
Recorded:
1 h 44 min
